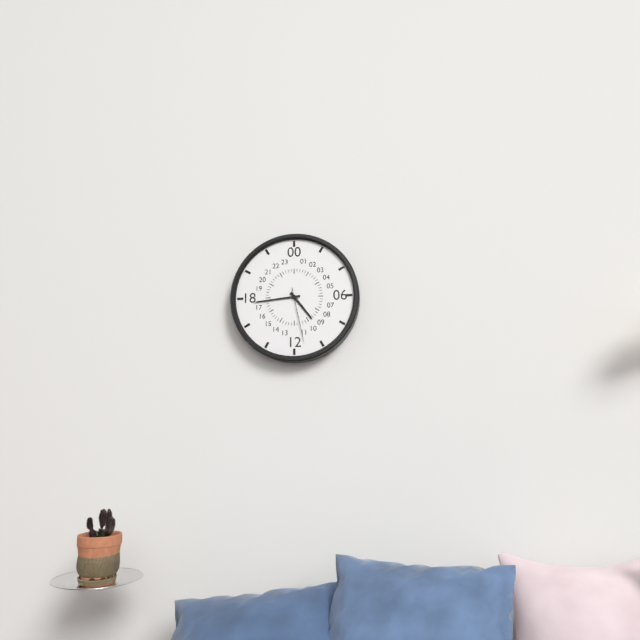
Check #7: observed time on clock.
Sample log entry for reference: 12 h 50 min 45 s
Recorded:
4 h 44 min 28 s
